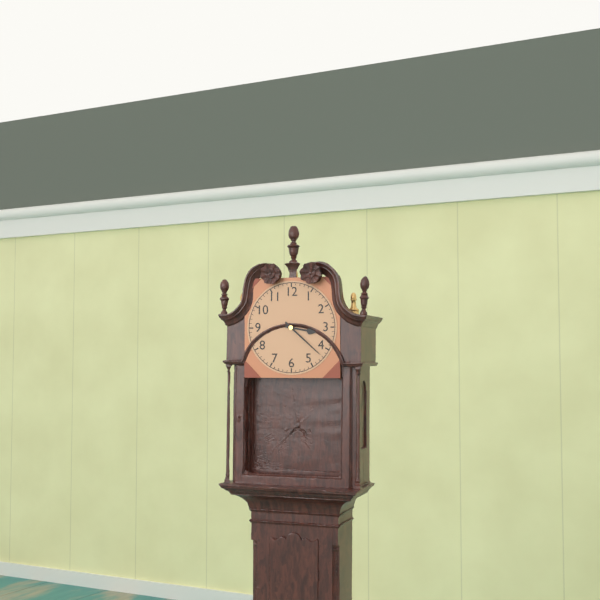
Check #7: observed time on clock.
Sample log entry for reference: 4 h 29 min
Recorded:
3 h 22 min
